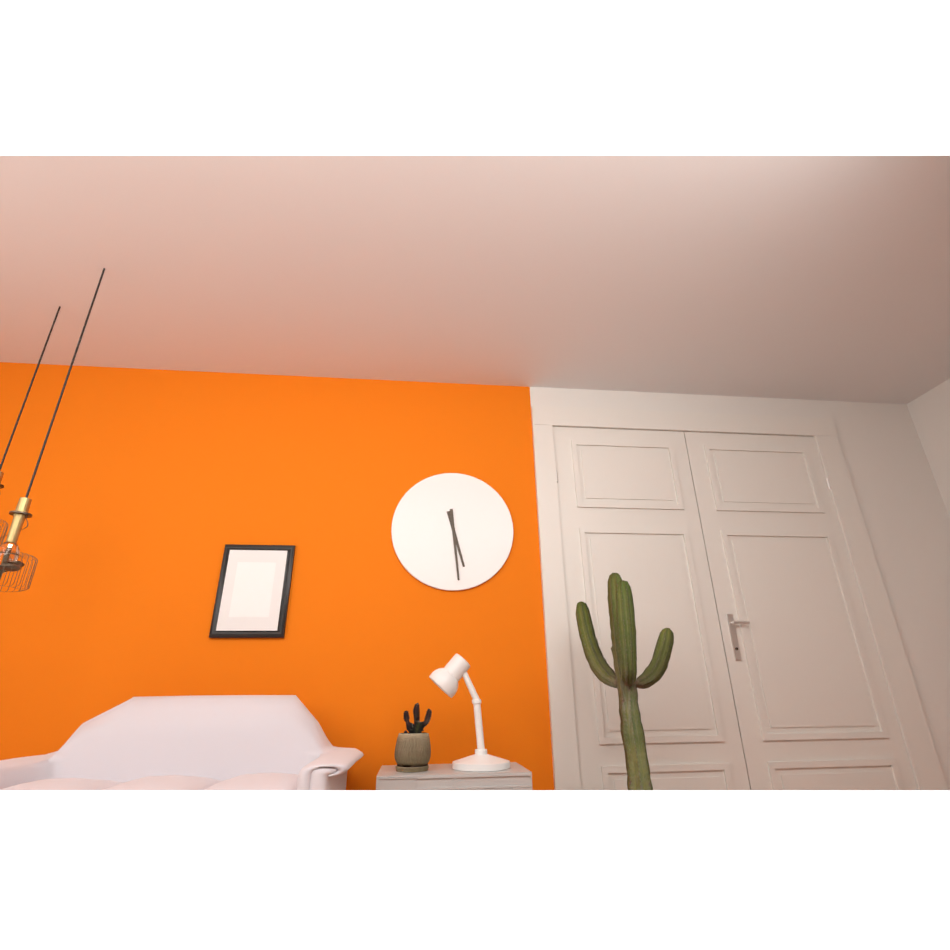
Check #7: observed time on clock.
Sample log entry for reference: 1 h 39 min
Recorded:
5 h 29 min
